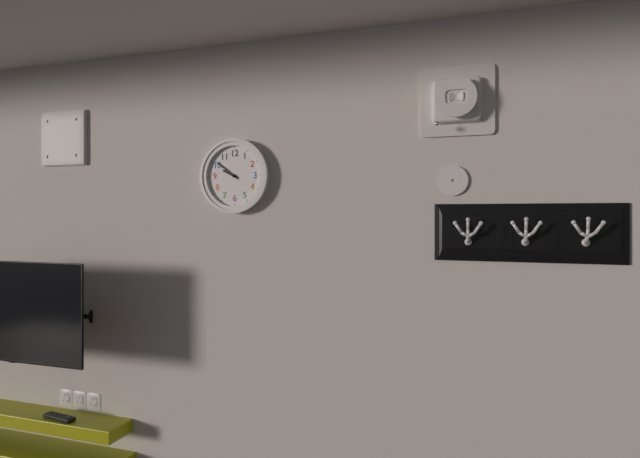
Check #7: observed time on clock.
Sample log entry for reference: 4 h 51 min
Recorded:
9 h 51 min
